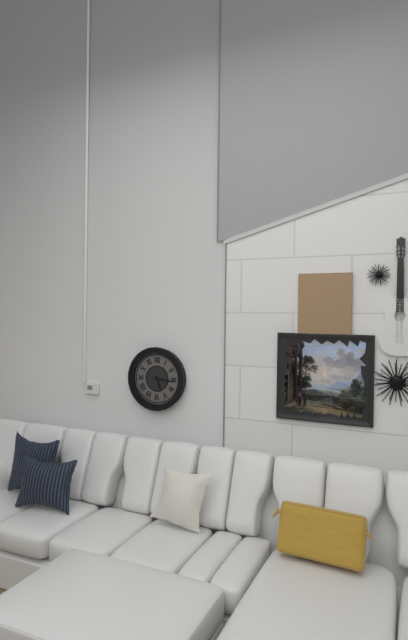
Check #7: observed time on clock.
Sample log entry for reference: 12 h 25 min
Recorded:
5 h 16 min
